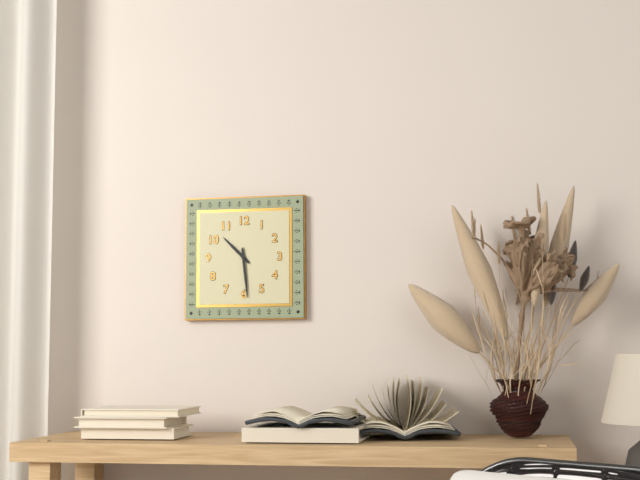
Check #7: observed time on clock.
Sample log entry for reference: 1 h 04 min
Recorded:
10 h 29 min
